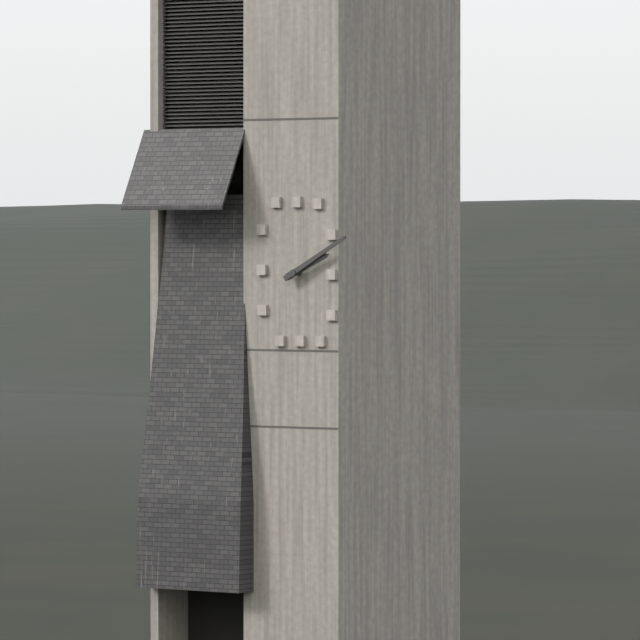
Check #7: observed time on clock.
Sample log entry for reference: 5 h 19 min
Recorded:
2 h 10 min
